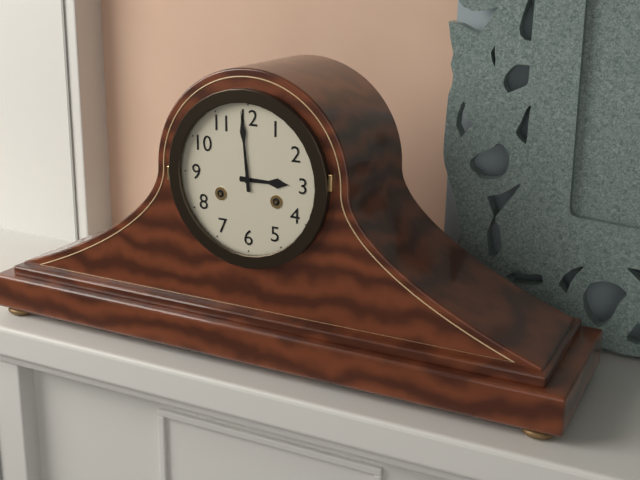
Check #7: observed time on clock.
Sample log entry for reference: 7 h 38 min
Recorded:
2 h 59 min
